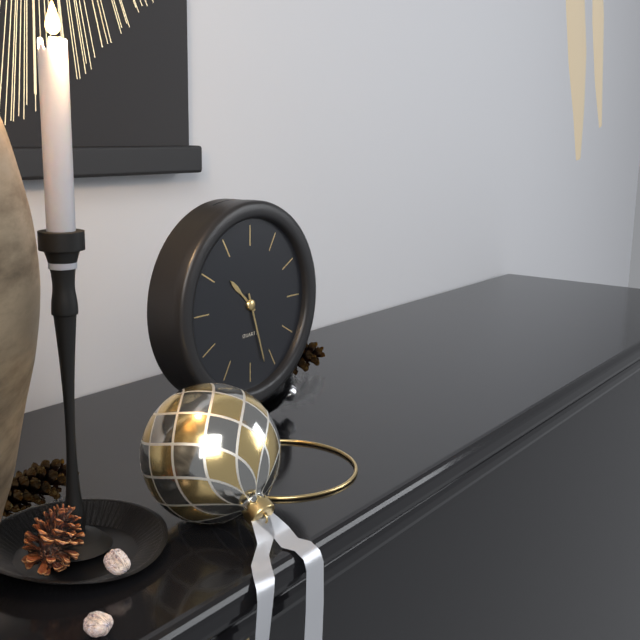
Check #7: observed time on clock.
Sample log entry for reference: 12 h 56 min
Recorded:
10 h 27 min
